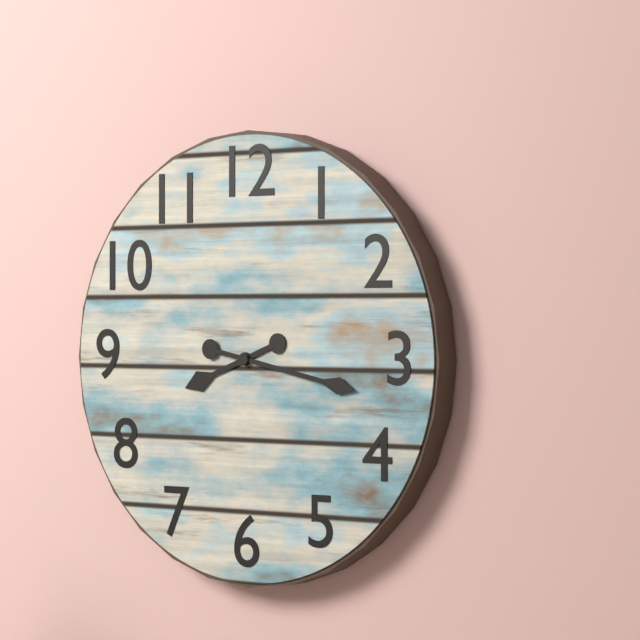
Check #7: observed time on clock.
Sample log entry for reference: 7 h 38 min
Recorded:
8 h 17 min
